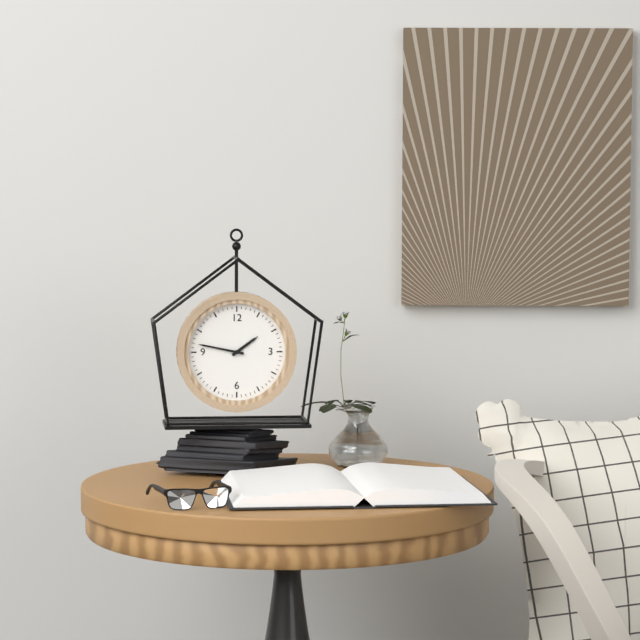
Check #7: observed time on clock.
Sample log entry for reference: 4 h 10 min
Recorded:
1 h 47 min
